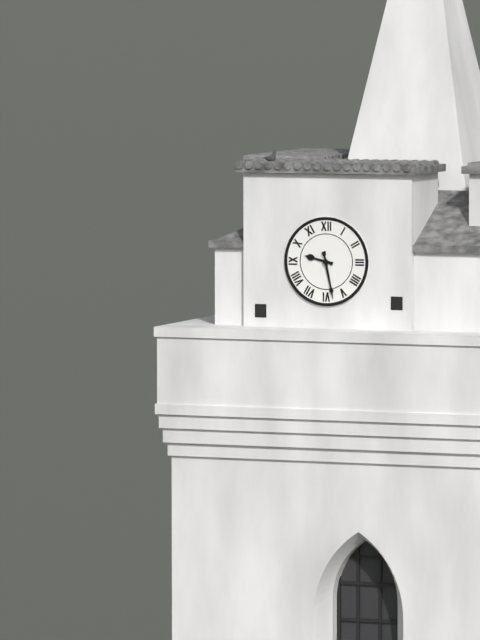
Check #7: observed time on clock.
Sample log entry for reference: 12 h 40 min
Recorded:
9 h 28 min
